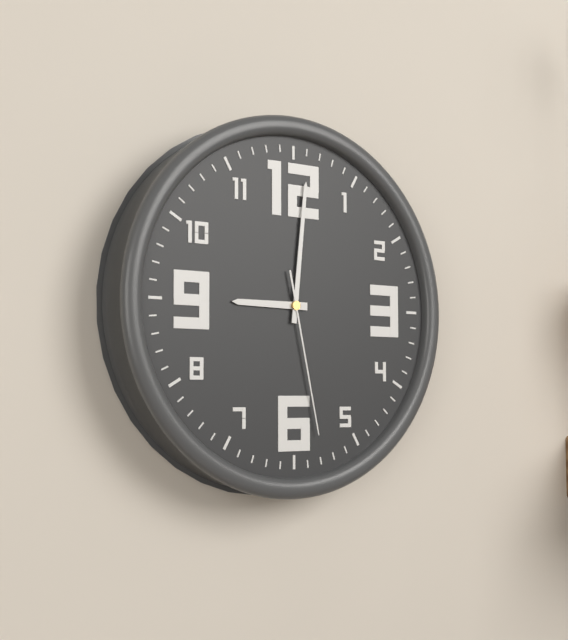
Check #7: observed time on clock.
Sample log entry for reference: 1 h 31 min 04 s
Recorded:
9 h 01 min 28 s
